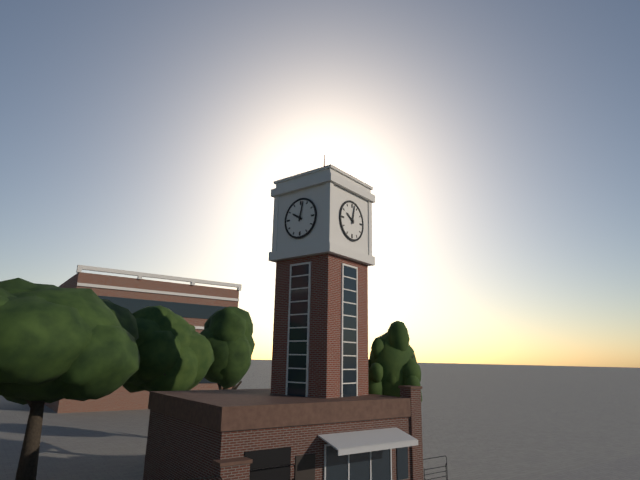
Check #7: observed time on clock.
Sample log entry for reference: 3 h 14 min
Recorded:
10 h 02 min
